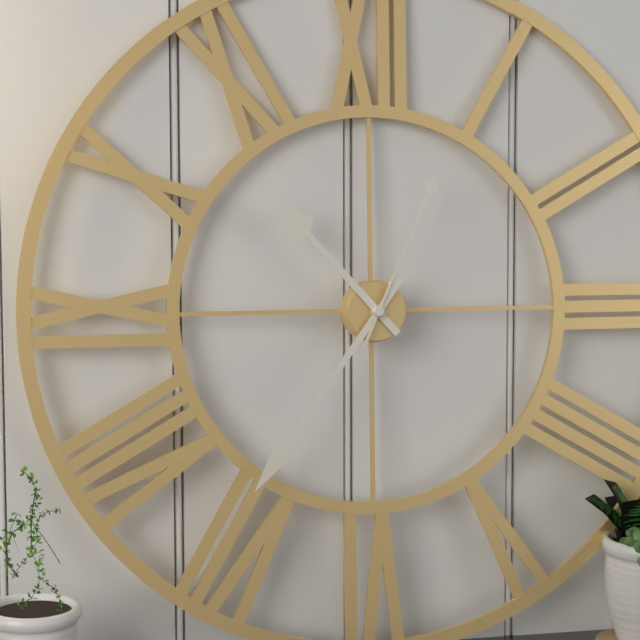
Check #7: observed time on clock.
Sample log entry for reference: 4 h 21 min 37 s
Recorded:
10 h 36 min 04 s
